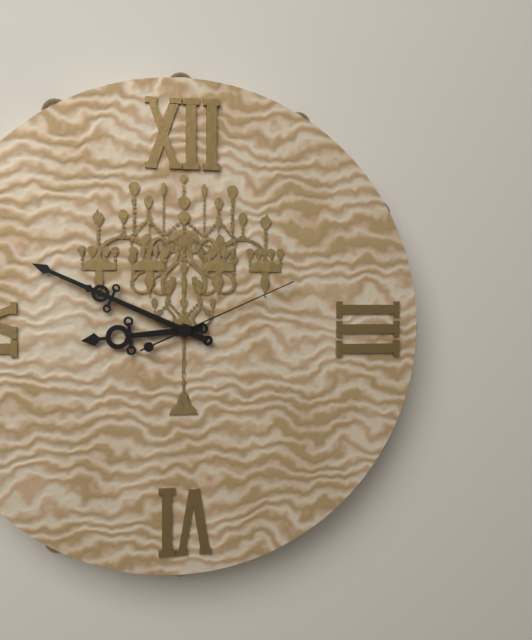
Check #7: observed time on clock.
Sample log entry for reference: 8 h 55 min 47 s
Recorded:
8 h 49 min 11 s
